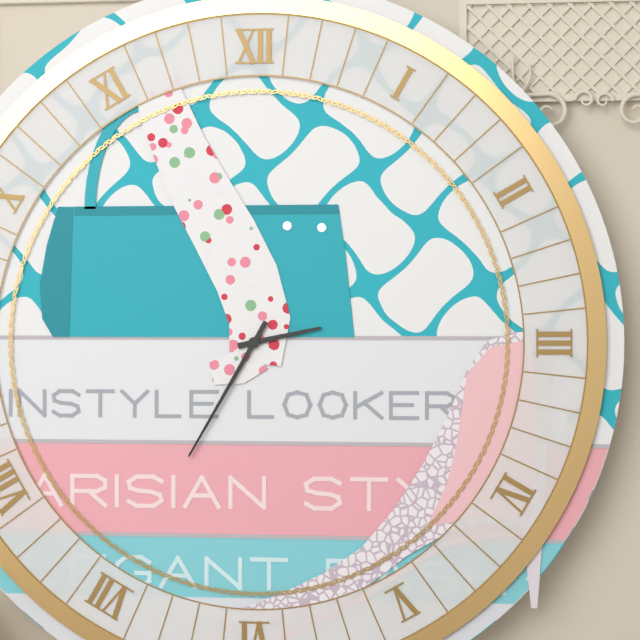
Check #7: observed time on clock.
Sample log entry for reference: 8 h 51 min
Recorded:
2 h 35 min
